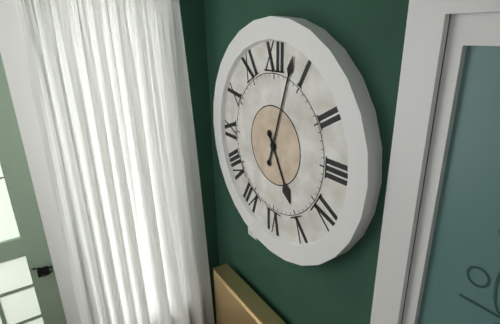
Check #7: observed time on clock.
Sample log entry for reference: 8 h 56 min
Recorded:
5 h 03 min
